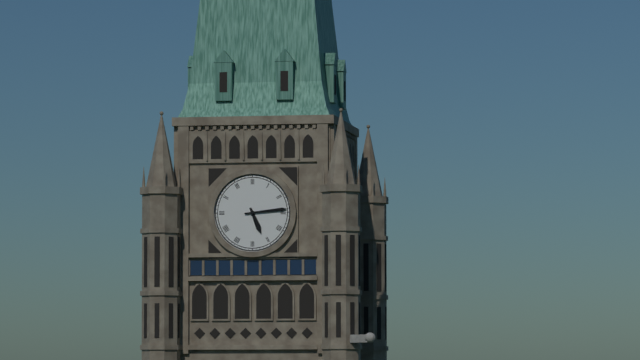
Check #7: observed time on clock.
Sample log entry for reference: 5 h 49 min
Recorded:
5 h 14 min
